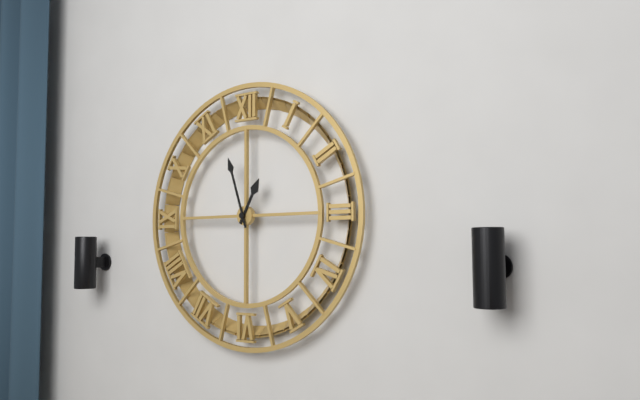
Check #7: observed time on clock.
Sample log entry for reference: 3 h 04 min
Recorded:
12 h 57 min
